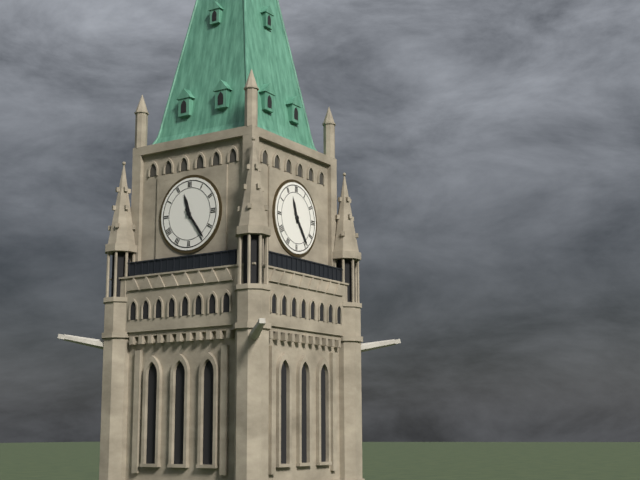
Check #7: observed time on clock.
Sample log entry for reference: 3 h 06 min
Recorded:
11 h 24 min
